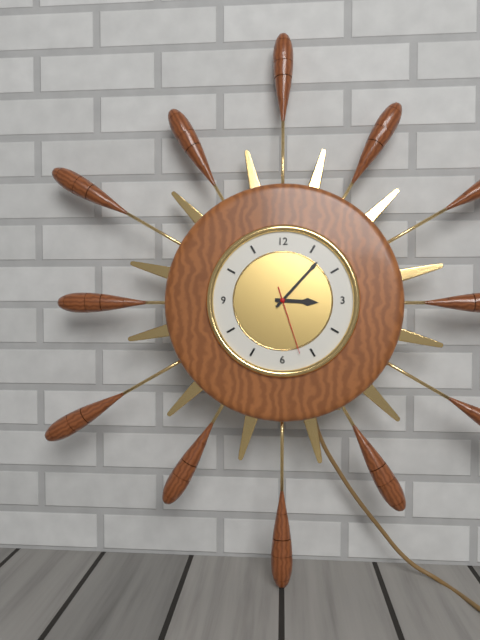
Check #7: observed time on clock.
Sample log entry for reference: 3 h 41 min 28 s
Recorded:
3 h 07 min 27 s
